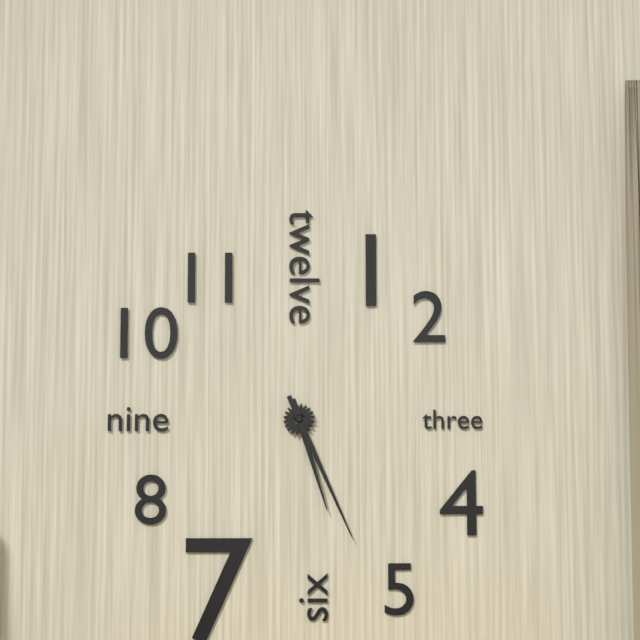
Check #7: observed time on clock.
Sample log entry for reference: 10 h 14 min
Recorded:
5 h 26 min
